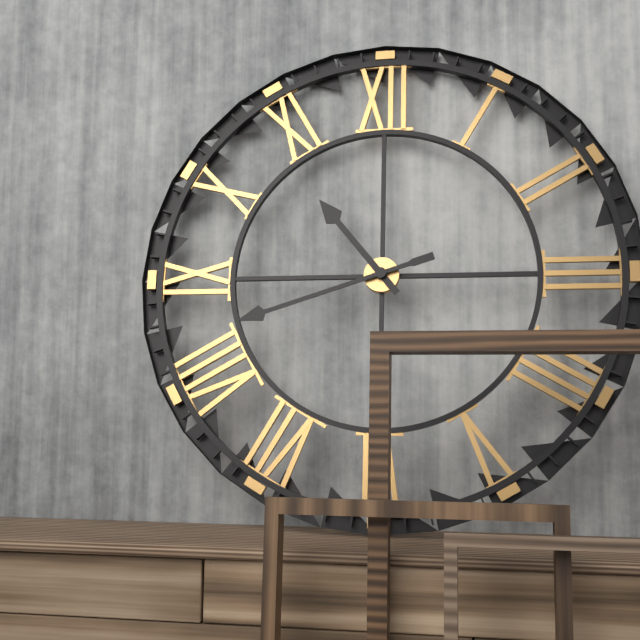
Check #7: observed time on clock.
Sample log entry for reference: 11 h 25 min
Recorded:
10 h 42 min
